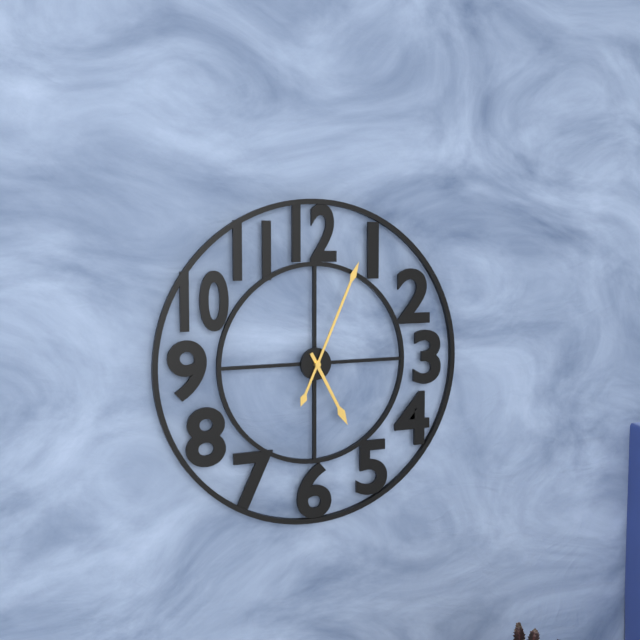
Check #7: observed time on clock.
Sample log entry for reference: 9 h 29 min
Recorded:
5 h 04 min
